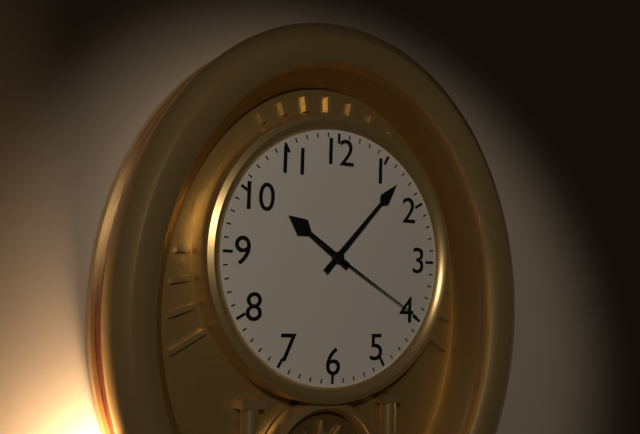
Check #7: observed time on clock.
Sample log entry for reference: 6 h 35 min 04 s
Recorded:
10 h 07 min 20 s
